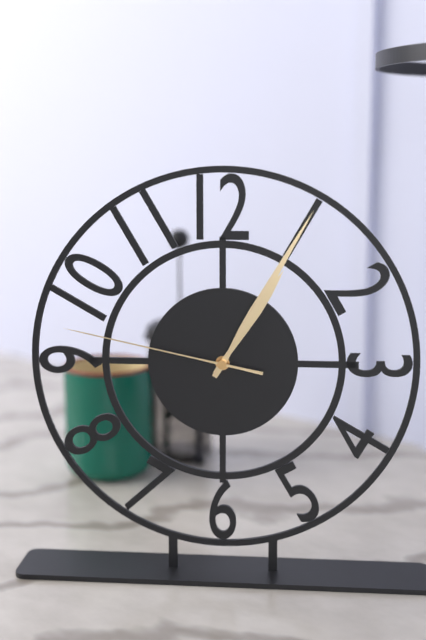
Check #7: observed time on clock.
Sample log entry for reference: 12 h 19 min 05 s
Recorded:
1 h 05 min 47 s
